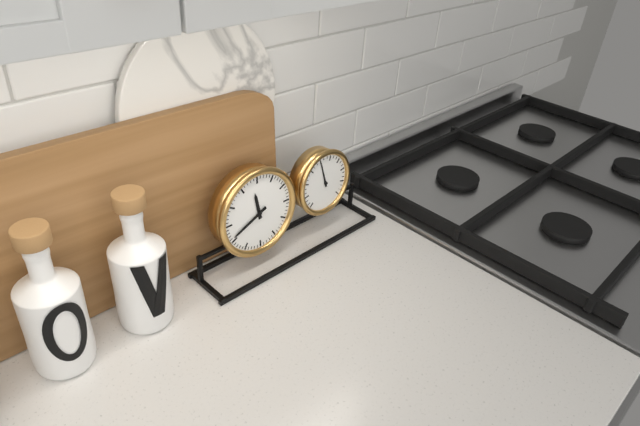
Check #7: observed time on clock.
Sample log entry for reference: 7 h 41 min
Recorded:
11 h 41 min
